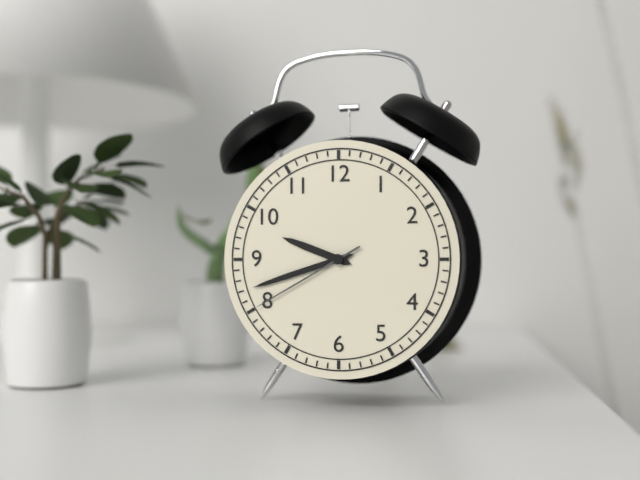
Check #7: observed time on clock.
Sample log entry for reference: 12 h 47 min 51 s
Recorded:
9 h 42 min 40 s
